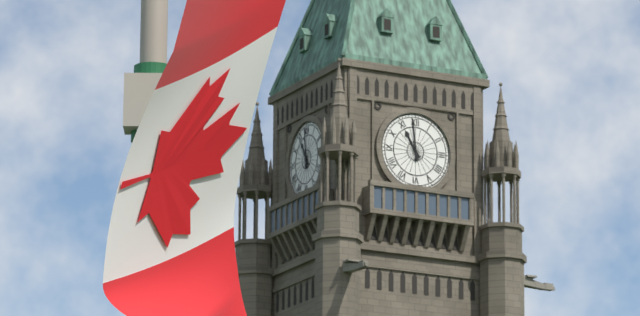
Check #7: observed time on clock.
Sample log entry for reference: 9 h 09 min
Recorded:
10 h 59 min
